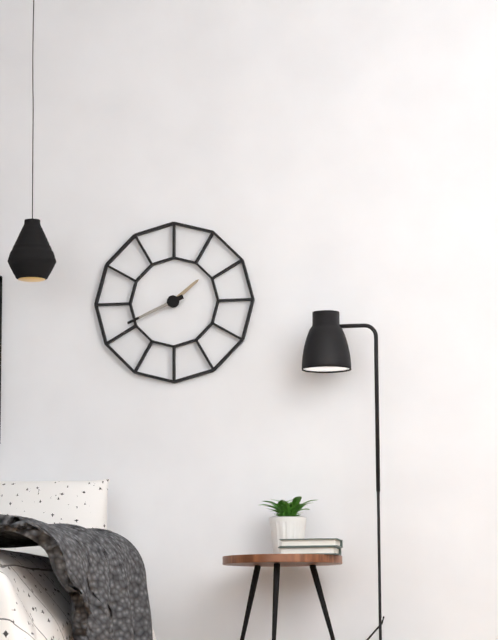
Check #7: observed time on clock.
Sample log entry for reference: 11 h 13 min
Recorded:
1 h 41 min
